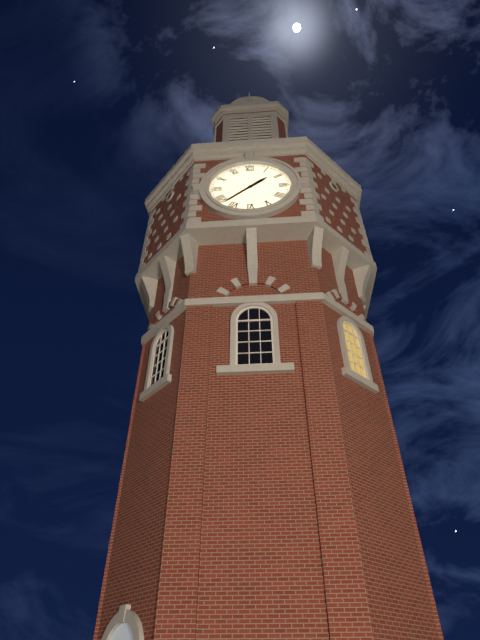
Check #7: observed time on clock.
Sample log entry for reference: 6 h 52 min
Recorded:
1 h 38 min
